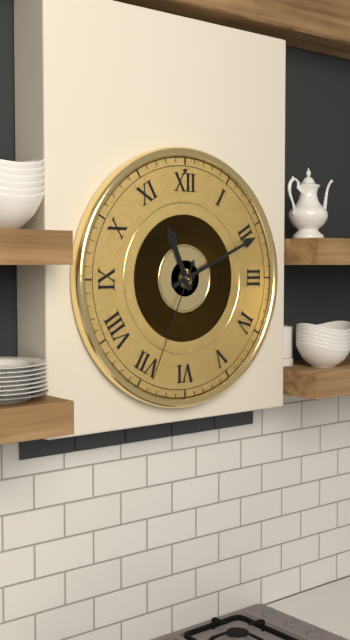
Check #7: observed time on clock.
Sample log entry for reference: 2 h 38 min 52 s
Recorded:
11 h 11 min 34 s
